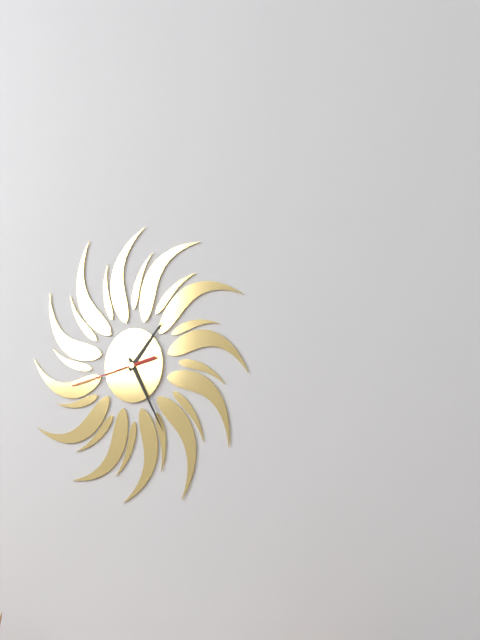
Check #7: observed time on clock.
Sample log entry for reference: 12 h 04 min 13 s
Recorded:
1 h 25 min 43 s
